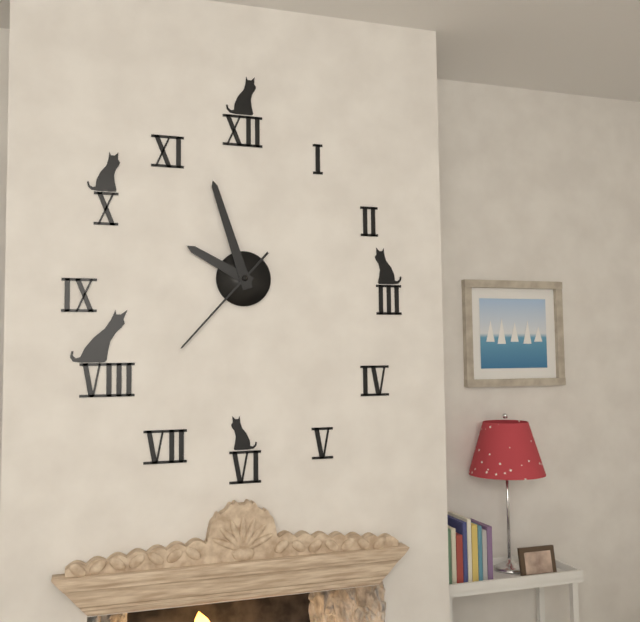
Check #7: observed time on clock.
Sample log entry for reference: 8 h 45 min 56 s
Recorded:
9 h 57 min 37 s
